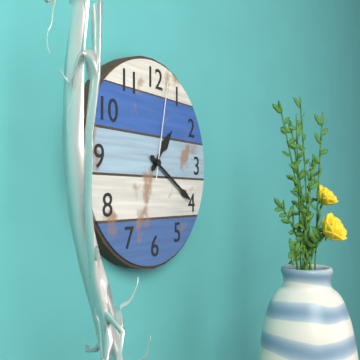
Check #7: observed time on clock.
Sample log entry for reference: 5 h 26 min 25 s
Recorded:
1 h 20 min 02 s
